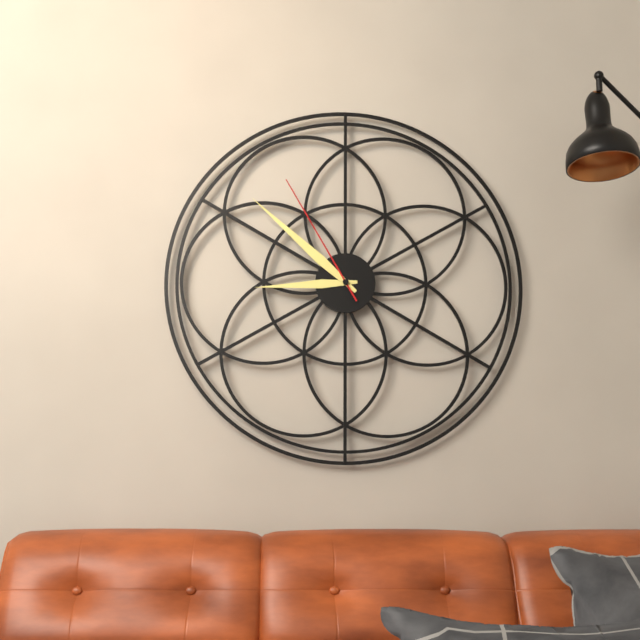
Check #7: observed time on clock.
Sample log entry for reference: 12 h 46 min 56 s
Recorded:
8 h 52 min 55 s
